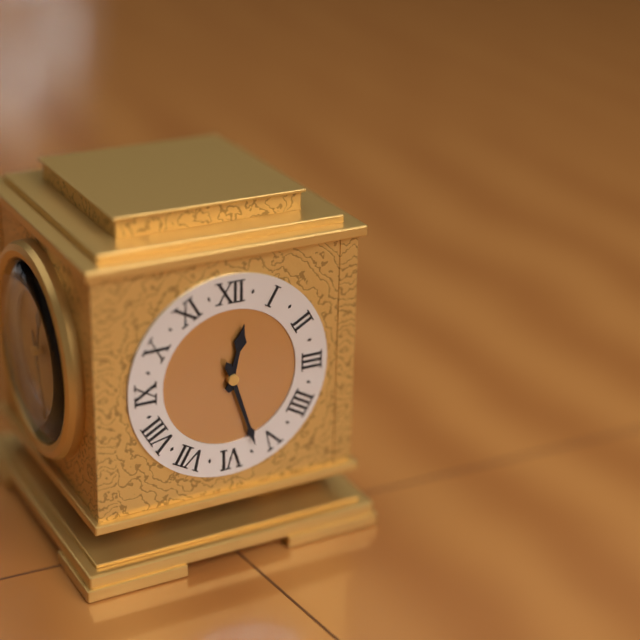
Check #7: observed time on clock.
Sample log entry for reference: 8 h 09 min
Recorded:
12 h 27 min
